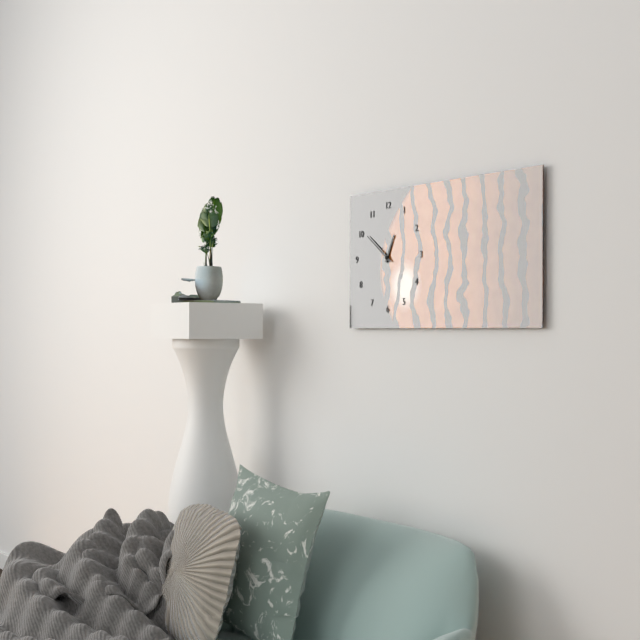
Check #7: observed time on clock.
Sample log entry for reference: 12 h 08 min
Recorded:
12 h 51 min
